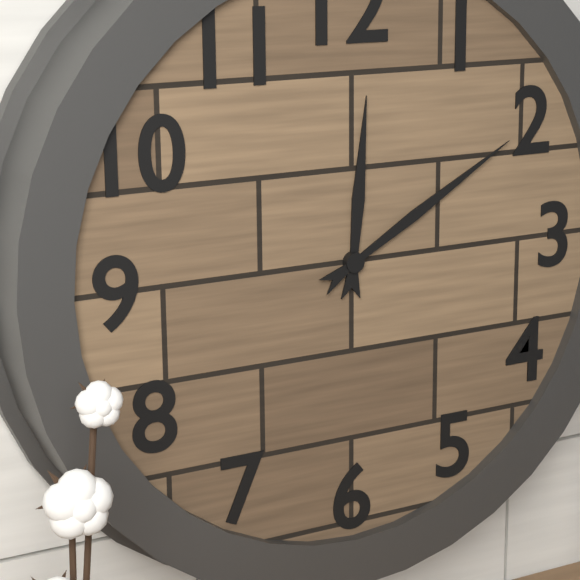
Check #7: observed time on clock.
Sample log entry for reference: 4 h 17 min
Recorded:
12 h 10 min
